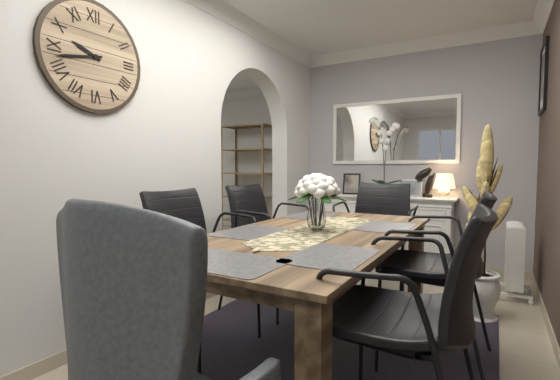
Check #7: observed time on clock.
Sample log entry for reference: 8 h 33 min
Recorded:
9 h 43 min
